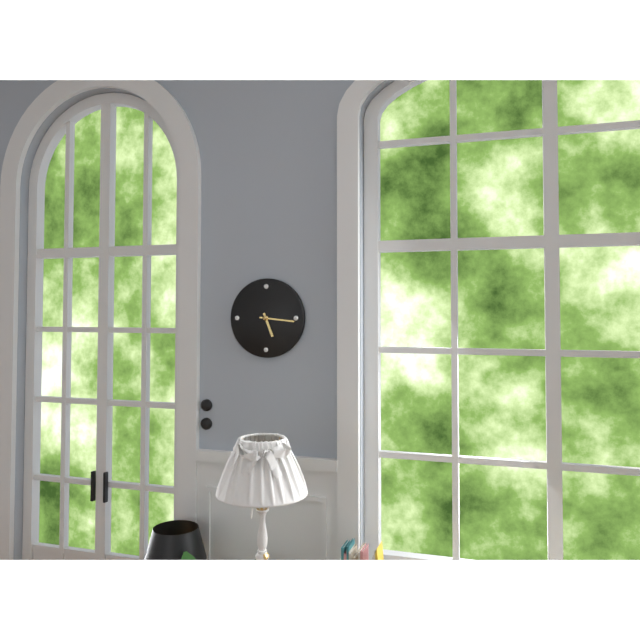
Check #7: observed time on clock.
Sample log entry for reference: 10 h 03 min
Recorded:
5 h 16 min
